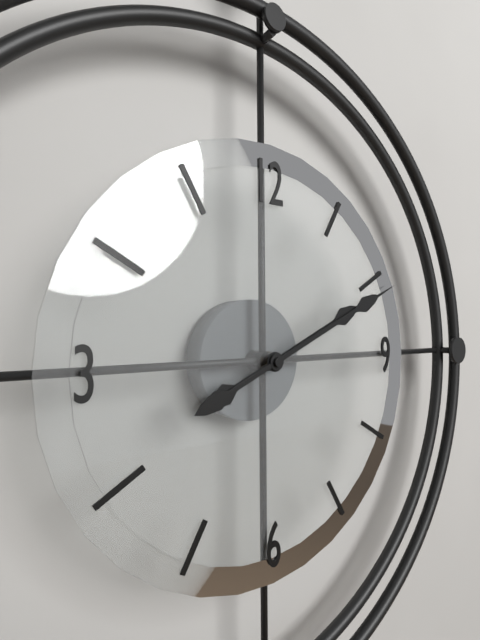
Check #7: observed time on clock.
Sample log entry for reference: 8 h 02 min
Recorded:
2 h 11 min
